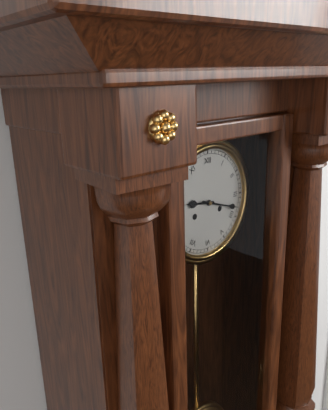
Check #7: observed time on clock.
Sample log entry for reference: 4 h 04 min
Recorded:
9 h 18 min
